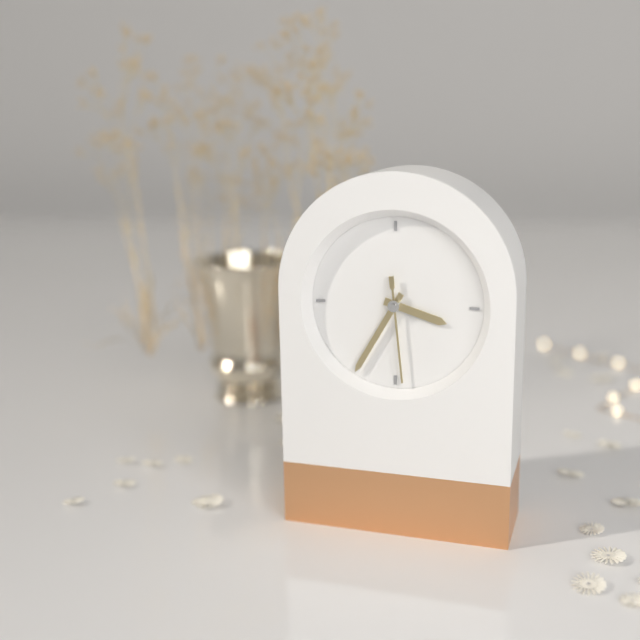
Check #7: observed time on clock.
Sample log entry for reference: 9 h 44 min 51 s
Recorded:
3 h 35 min 29 s
